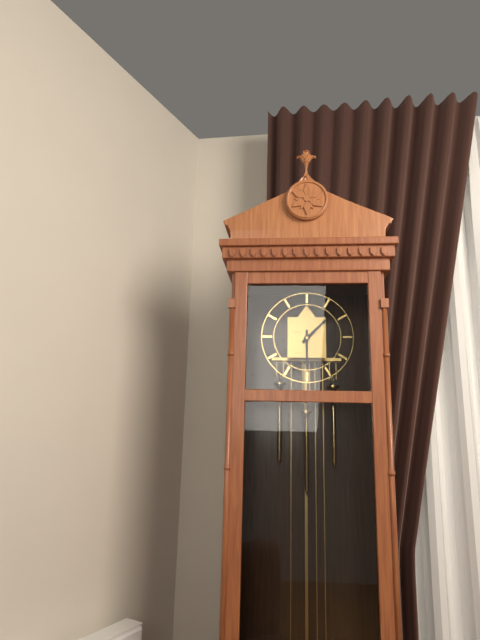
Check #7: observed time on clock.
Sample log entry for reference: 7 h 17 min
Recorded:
1 h 30 min
